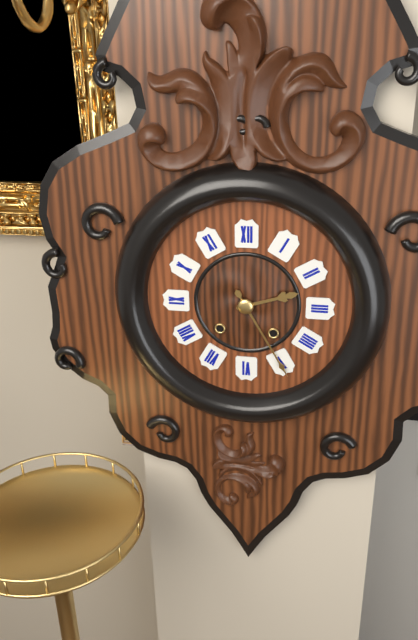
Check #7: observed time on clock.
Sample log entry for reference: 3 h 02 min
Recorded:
2 h 25 min
